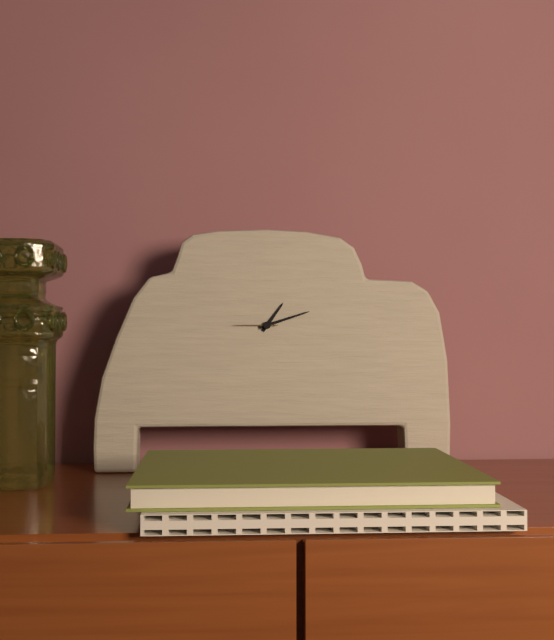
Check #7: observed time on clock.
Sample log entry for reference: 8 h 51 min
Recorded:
1 h 12 min
